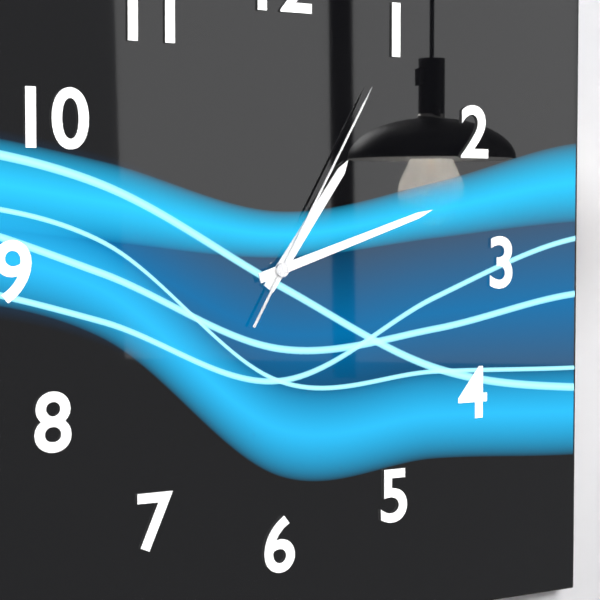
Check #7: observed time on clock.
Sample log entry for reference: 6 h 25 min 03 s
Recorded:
1 h 12 min 05 s
